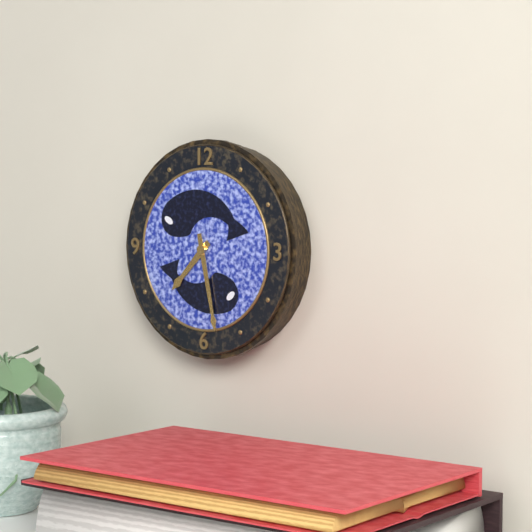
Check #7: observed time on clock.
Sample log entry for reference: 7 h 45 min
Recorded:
7 h 28 min
